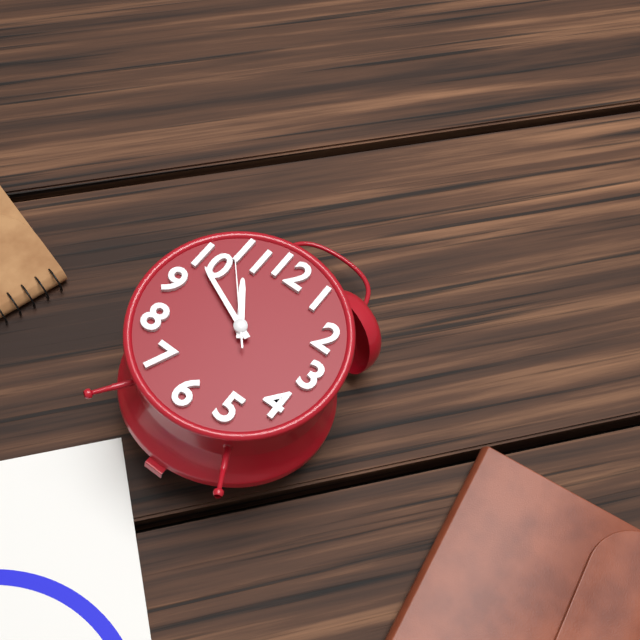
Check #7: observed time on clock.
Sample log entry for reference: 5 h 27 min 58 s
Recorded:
10 h 49 min 53 s
